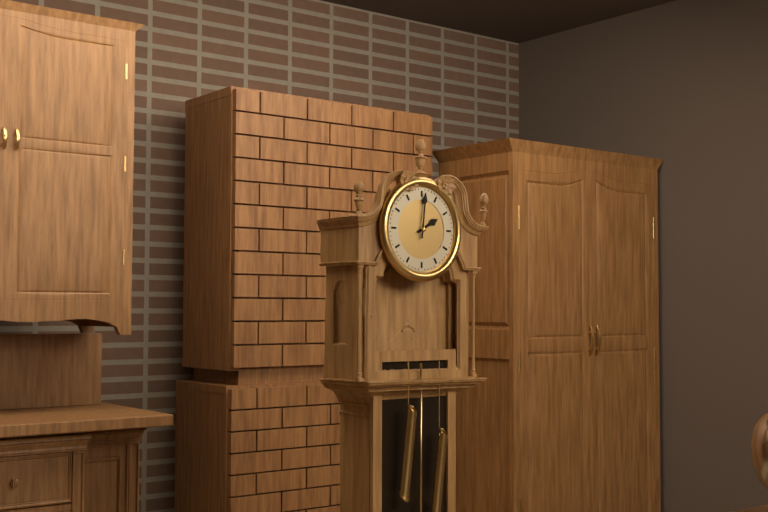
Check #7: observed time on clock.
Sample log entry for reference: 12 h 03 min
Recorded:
2 h 01 min
